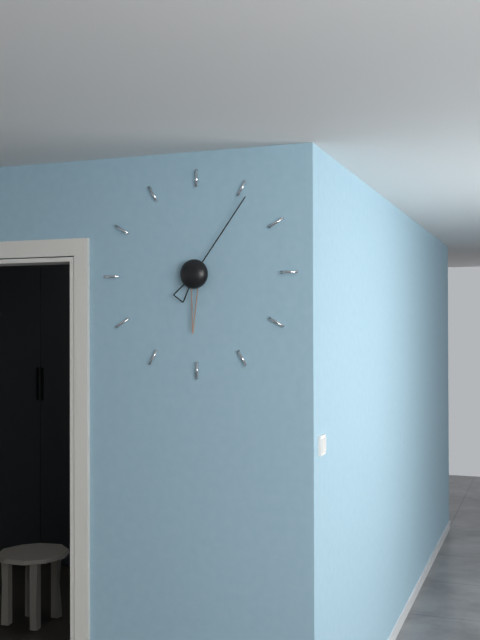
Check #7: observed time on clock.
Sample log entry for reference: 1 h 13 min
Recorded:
6 h 06 min
